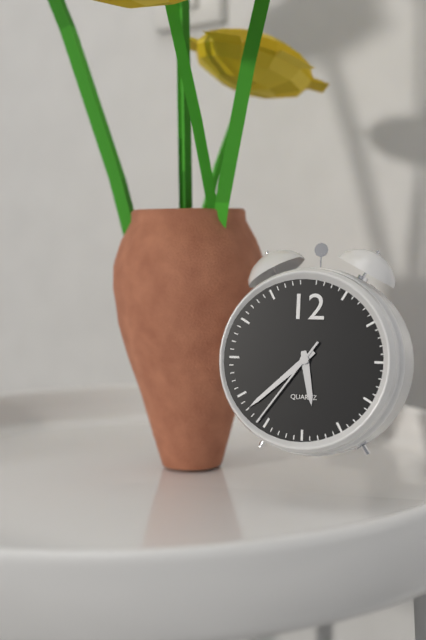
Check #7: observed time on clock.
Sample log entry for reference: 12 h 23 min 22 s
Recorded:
5 h 38 min 36 s
